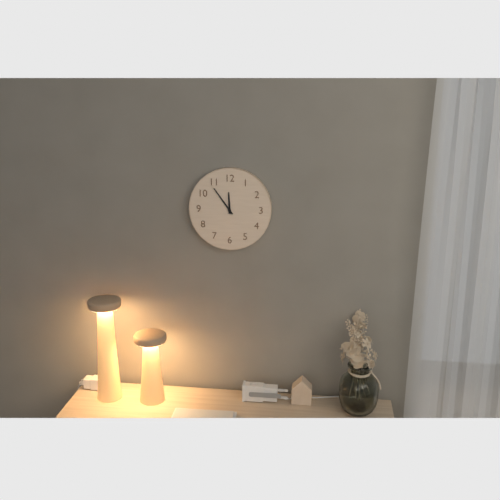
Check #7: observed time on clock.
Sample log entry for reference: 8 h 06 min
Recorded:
11 h 54 min
